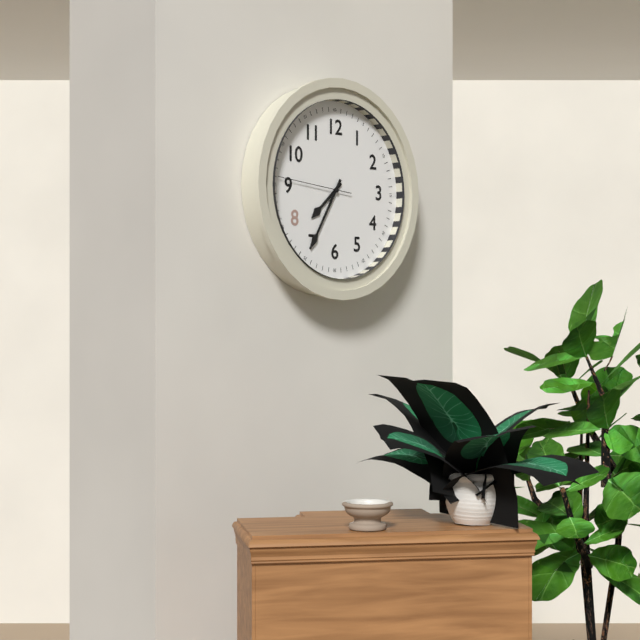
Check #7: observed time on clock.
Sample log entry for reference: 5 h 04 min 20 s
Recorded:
7 h 35 min 46 s
